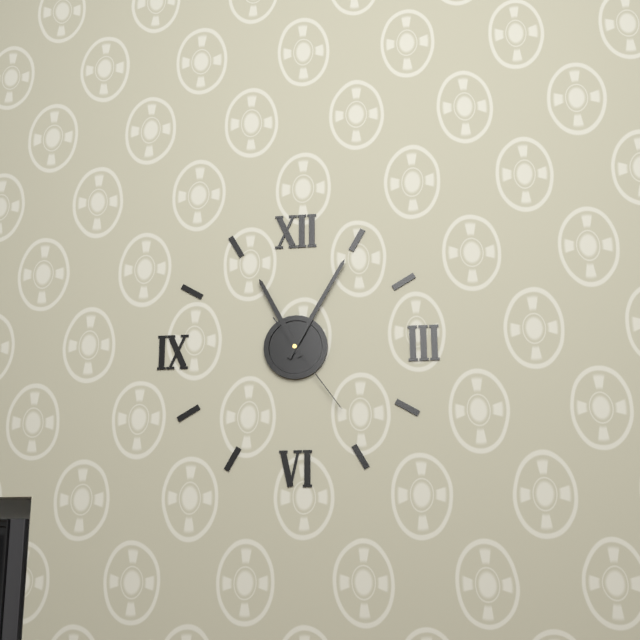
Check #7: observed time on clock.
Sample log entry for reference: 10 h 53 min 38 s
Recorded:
11 h 05 min 24 s
